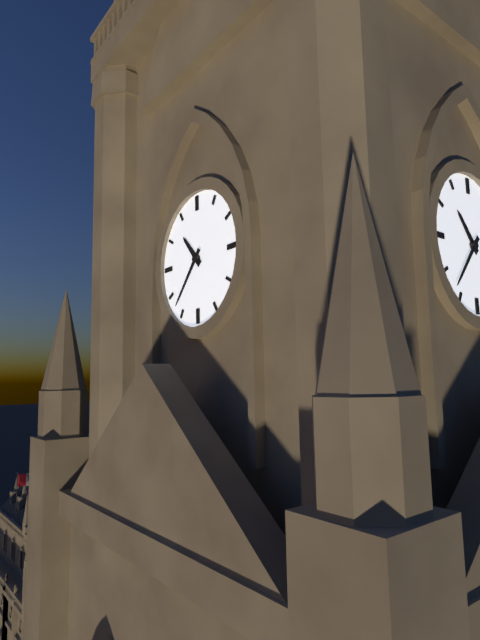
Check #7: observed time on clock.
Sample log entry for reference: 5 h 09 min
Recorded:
10 h 37 min
